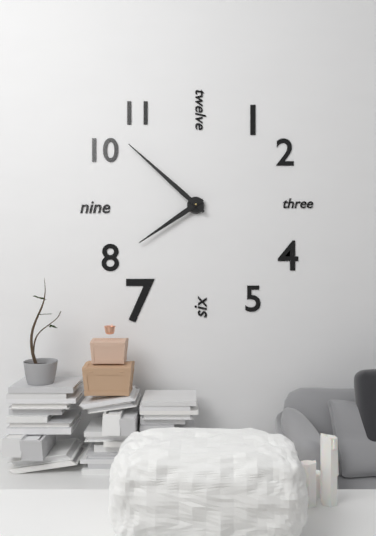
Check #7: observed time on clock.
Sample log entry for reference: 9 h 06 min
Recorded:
7 h 52 min
